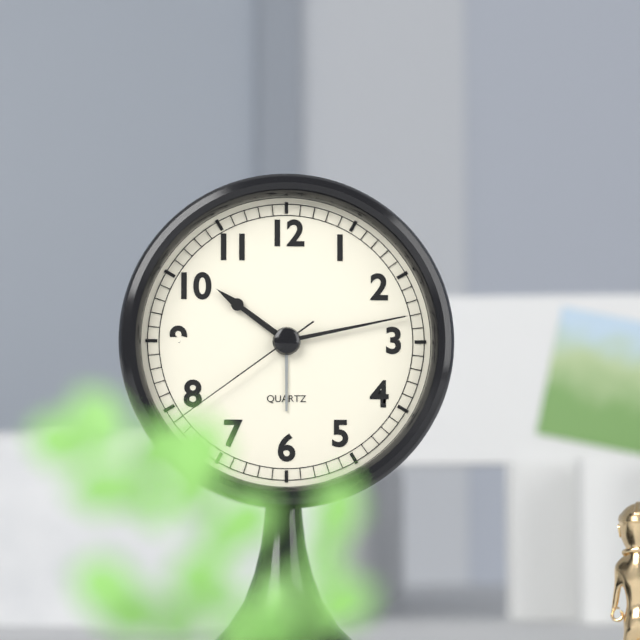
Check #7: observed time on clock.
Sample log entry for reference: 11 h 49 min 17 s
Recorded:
10 h 13 min 39 s
